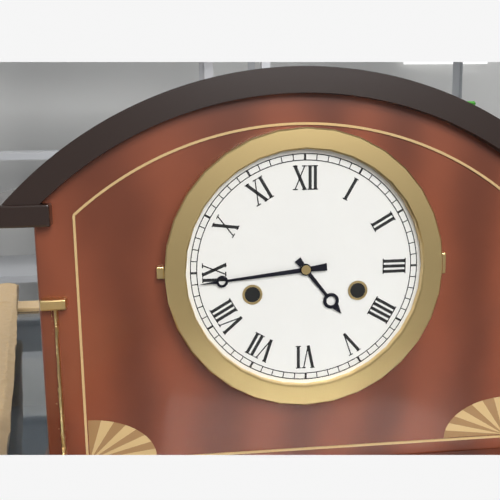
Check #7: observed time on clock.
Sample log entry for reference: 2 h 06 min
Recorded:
4 h 44 min
